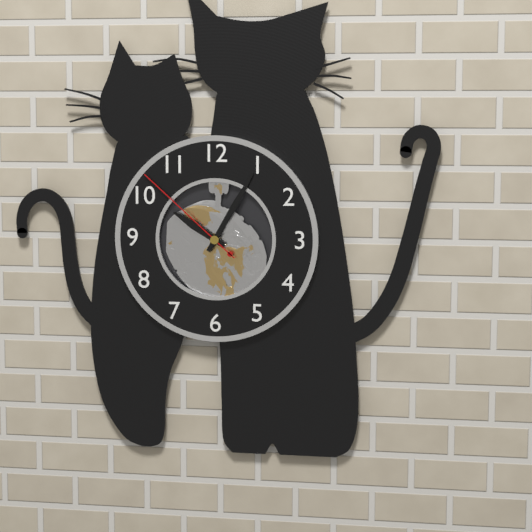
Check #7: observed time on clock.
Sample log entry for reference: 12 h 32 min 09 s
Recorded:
10 h 05 min 52 s
